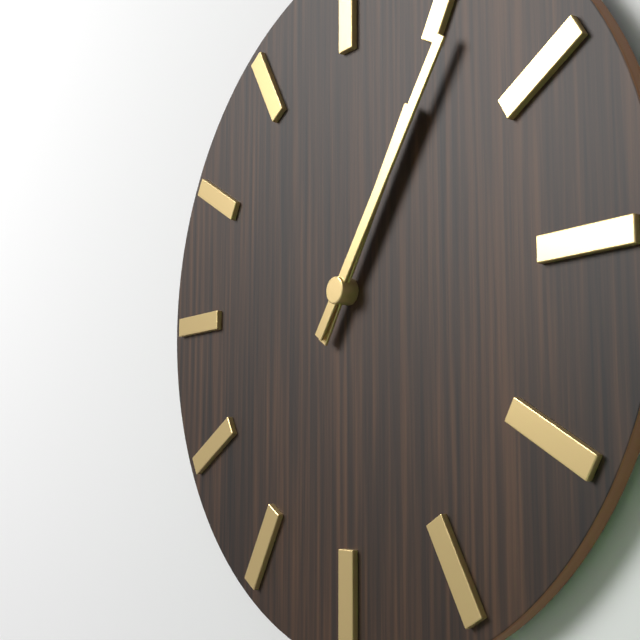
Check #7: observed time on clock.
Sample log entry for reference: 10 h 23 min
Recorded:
1 h 06 min
